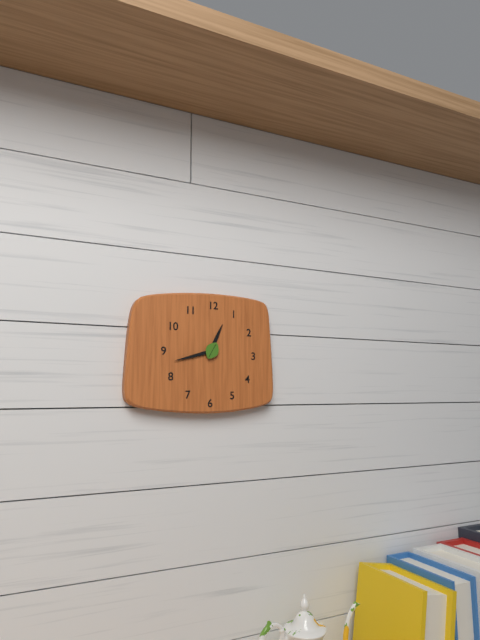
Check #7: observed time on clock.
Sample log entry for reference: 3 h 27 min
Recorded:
12 h 42 min
